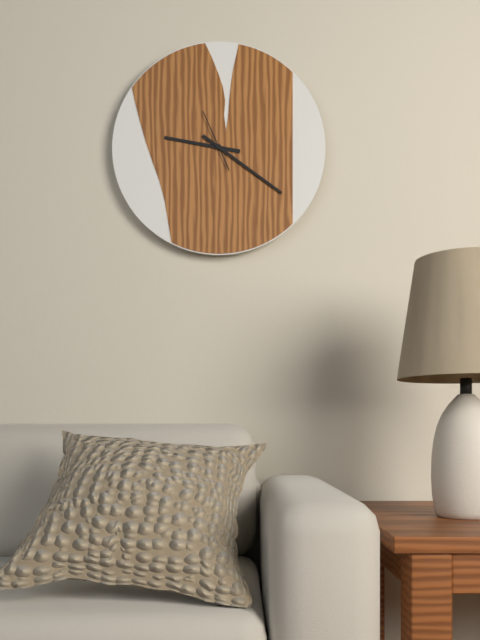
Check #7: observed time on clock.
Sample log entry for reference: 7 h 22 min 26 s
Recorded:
9 h 21 min 56 s
